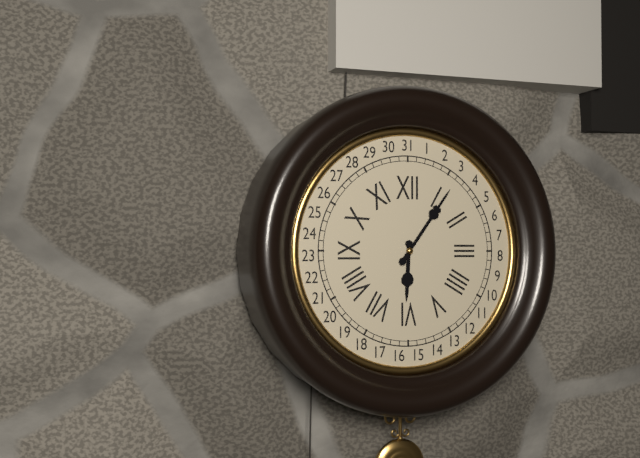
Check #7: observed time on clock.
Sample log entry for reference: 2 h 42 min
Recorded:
6 h 06 min
